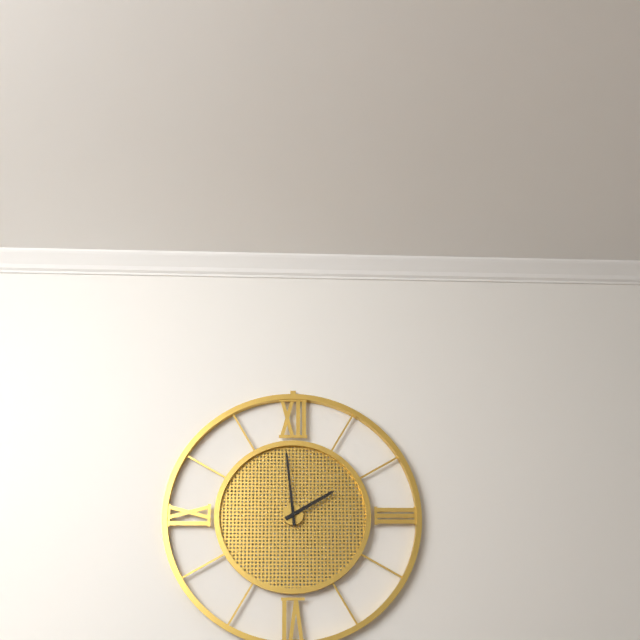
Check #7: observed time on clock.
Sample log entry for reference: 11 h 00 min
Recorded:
1 h 59 min
